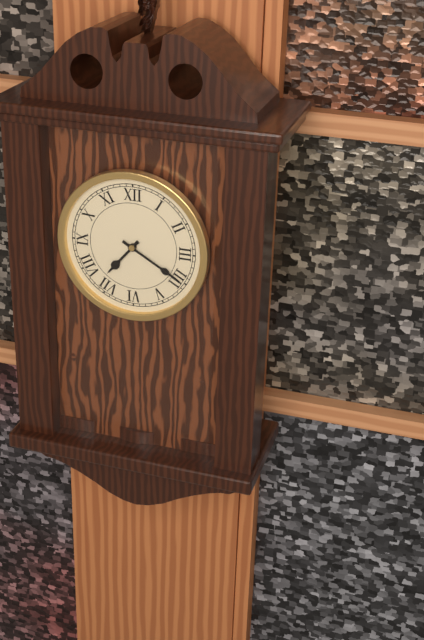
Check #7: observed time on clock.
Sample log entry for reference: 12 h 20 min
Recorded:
7 h 20 min
